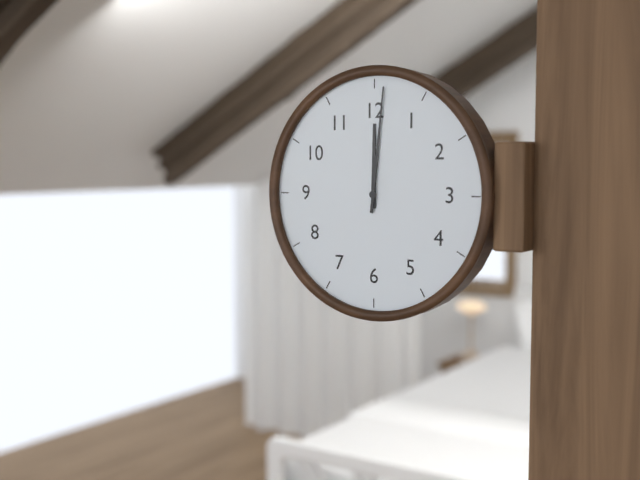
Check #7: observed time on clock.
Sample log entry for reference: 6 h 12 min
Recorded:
12 h 01 min
